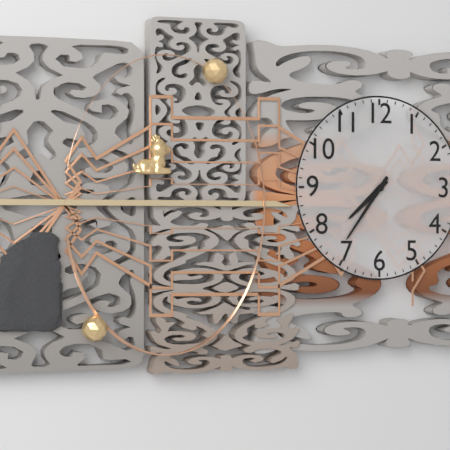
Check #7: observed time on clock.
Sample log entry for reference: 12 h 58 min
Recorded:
7 h 36 min
